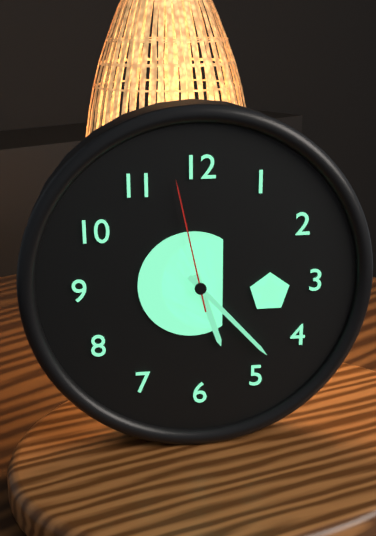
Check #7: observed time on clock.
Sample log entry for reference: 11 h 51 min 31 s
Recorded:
5 h 23 min 58 s
